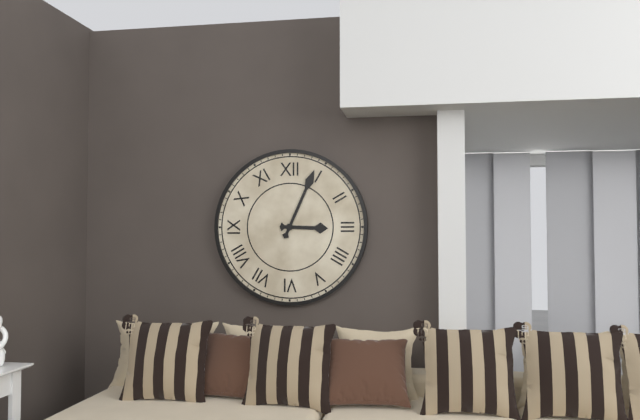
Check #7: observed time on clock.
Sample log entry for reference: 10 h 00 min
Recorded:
3 h 04 min
